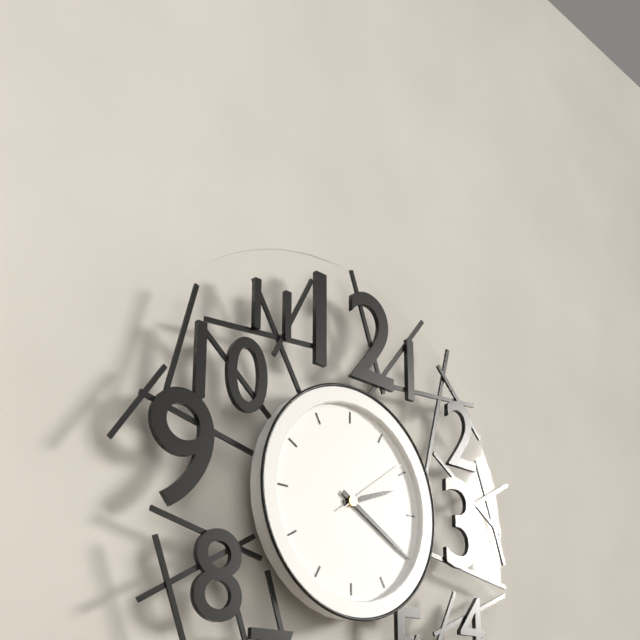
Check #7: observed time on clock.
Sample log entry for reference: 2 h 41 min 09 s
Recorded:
2 h 20 min 09 s
